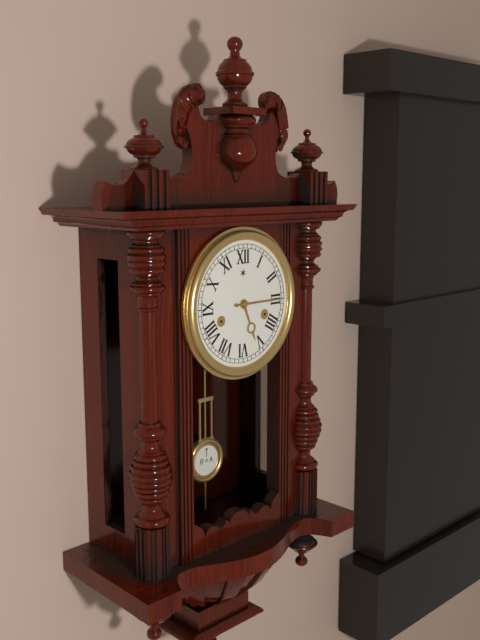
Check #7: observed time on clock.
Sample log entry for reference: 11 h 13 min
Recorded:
5 h 15 min
